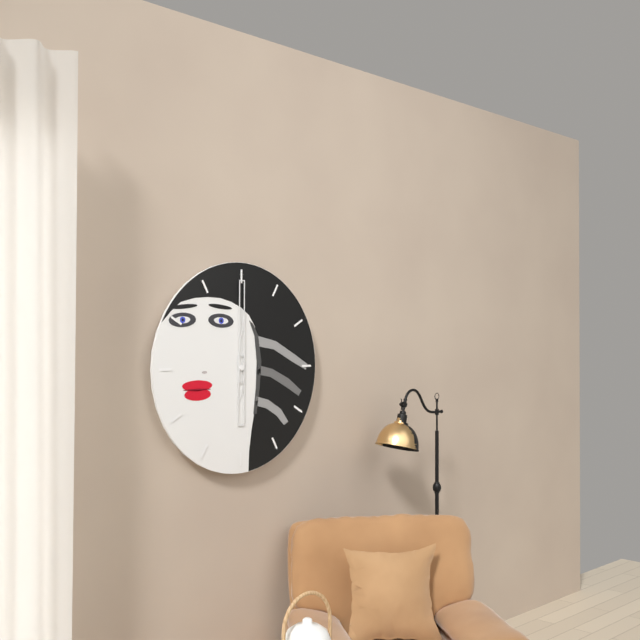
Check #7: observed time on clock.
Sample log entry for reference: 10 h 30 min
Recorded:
6 h 00 min
